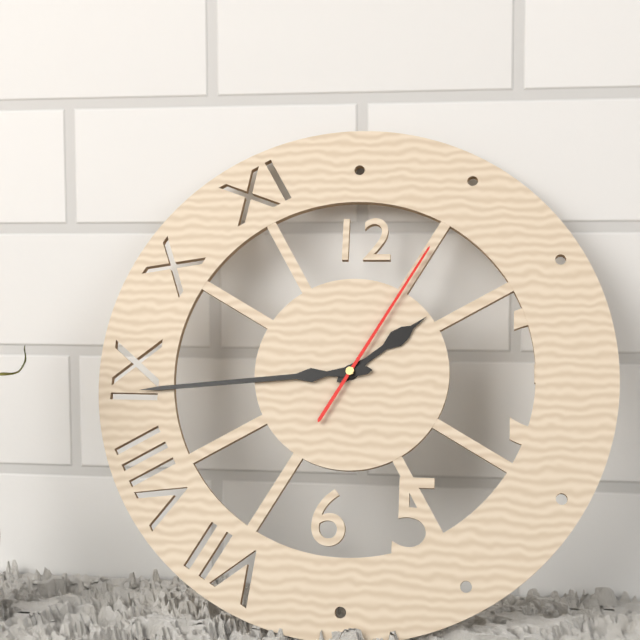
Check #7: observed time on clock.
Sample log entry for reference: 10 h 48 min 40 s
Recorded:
1 h 44 min 05 s
